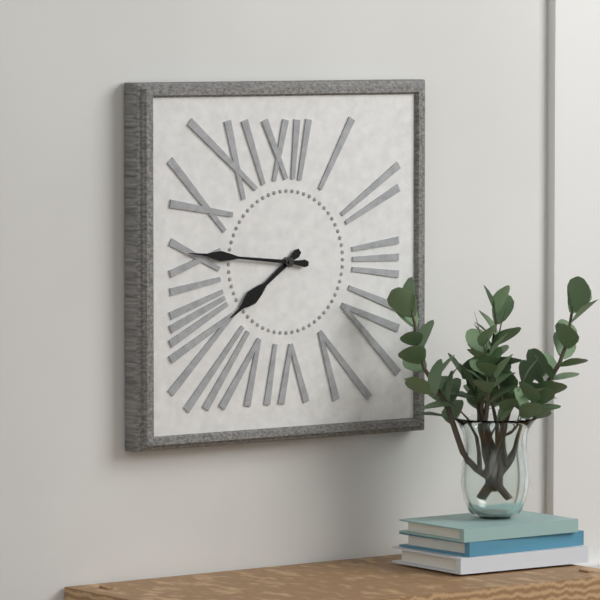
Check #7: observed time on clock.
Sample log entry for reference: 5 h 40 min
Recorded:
7 h 46 min
